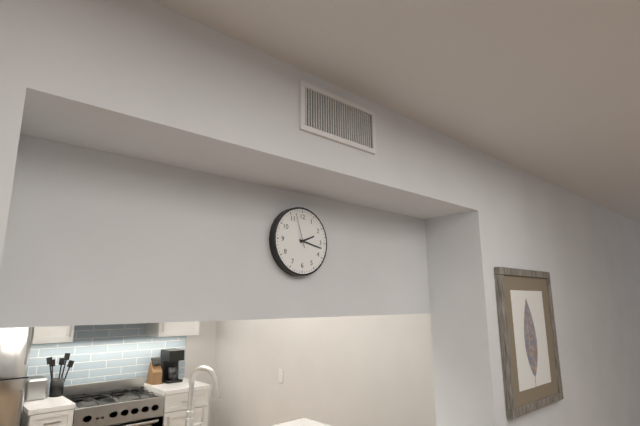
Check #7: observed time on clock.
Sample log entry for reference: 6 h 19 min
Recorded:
2 h 17 min
